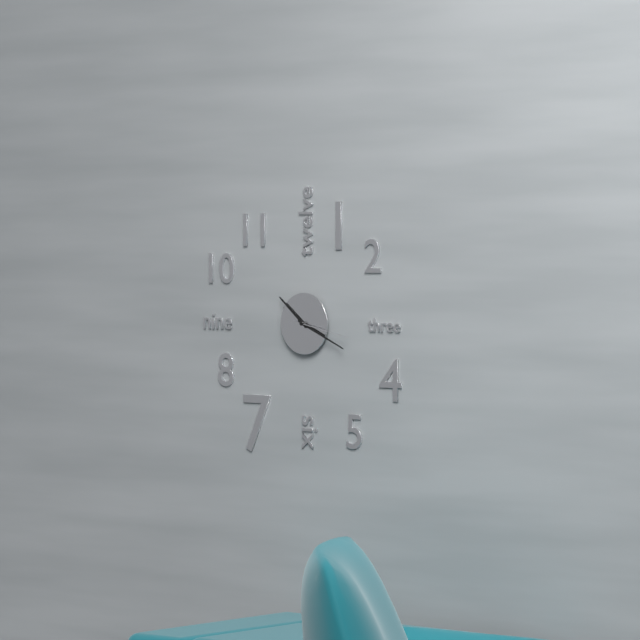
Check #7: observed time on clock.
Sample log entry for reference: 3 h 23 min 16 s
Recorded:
10 h 19 min 17 s
